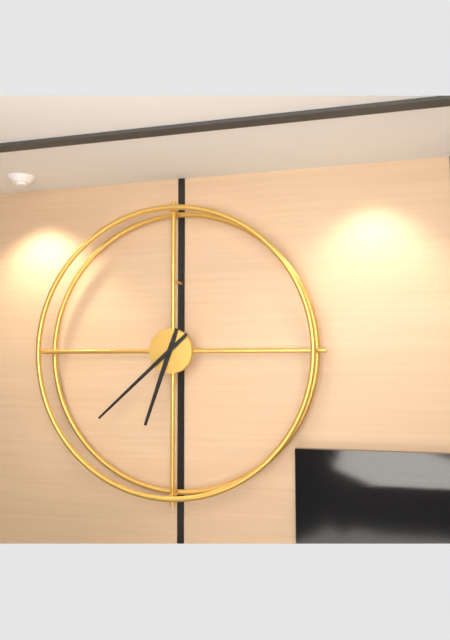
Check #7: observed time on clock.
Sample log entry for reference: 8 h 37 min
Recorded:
6 h 38 min
